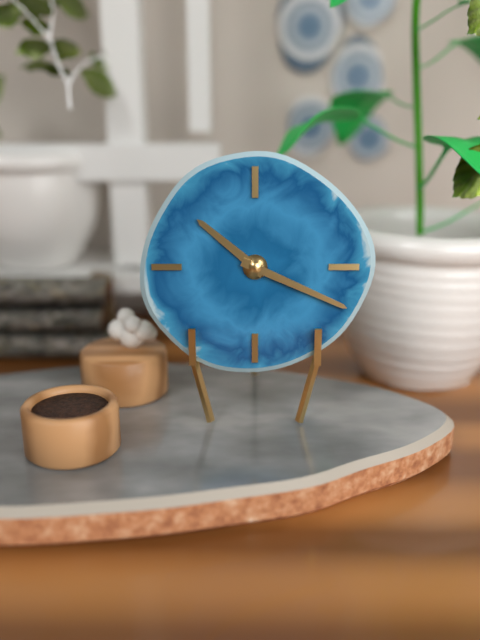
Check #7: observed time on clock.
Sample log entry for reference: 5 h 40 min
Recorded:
10 h 19 min
